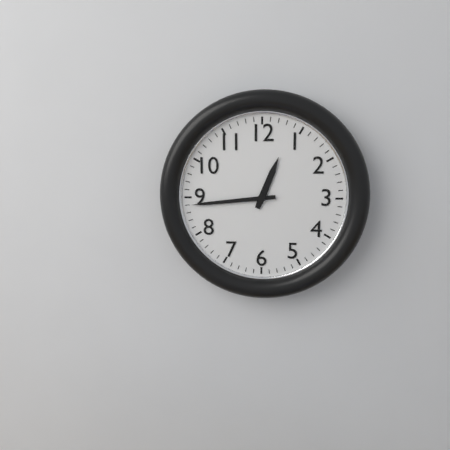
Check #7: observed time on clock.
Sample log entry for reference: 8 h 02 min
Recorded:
12 h 44 min
